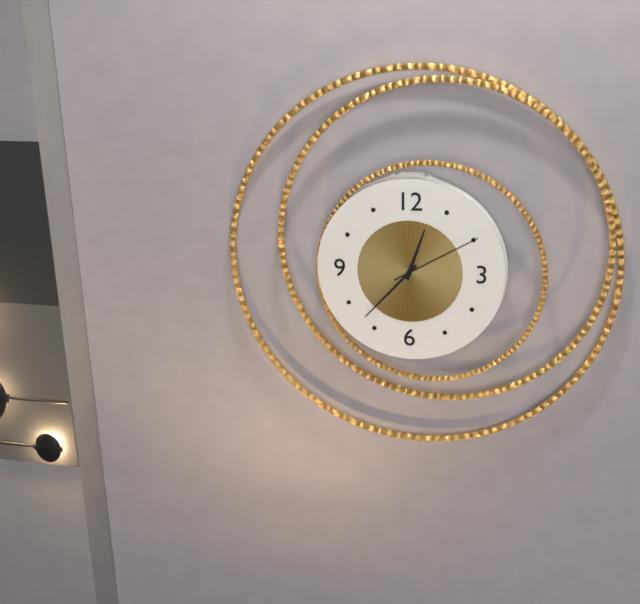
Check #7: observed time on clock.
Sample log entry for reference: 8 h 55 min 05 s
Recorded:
12 h 37 min 10 s
